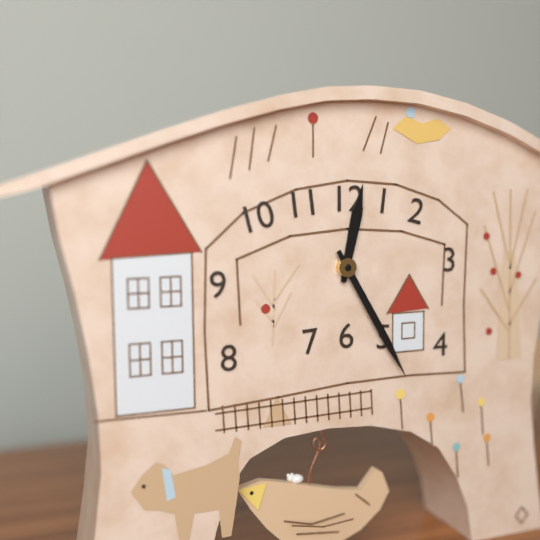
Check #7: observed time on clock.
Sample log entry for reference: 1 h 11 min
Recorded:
12 h 25 min
